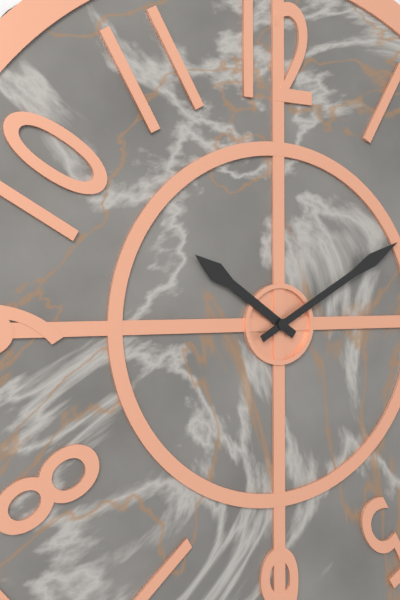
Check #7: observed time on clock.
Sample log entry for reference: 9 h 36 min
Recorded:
10 h 10 min
